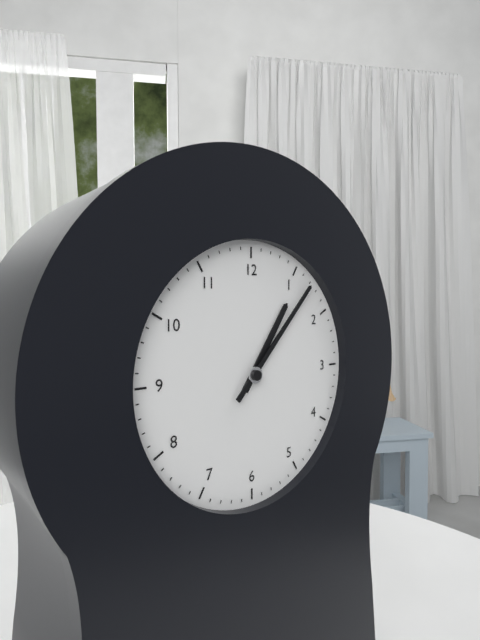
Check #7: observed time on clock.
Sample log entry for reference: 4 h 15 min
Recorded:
1 h 07 min
